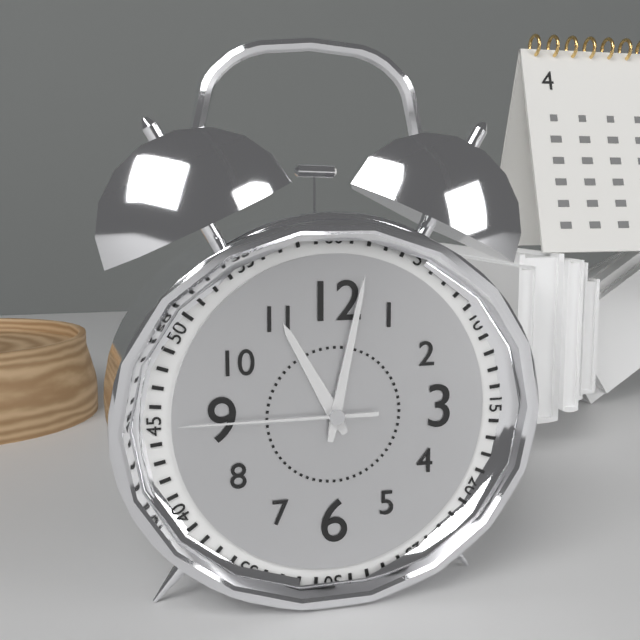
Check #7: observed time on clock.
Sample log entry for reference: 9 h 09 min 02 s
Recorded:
11 h 02 min 45 s
